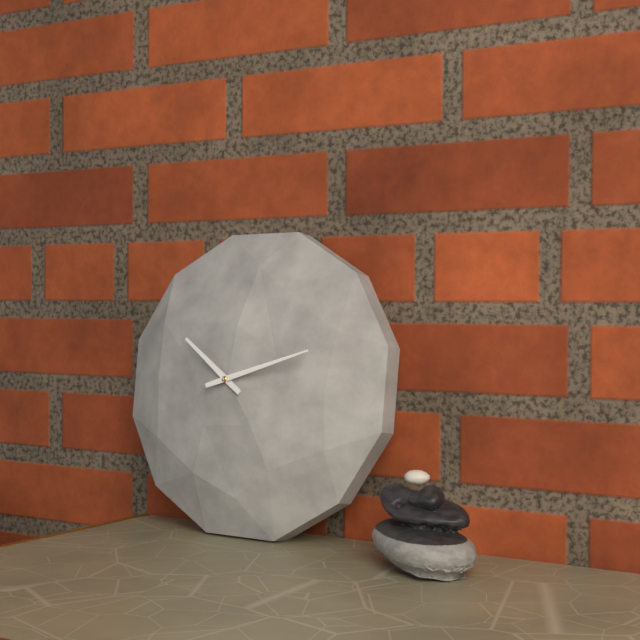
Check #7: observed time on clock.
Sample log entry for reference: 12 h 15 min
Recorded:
10 h 12 min
